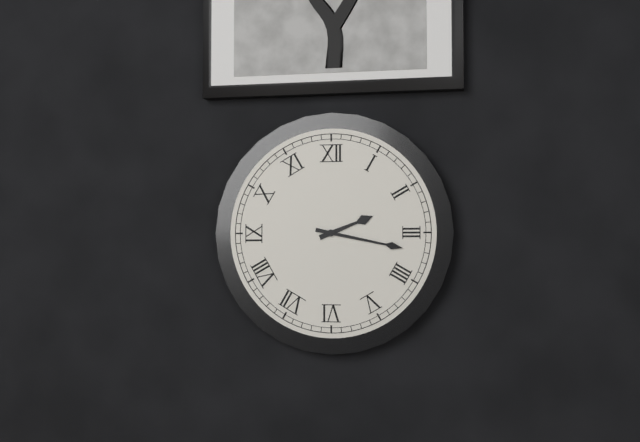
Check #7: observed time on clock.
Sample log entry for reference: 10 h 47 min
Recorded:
2 h 17 min
